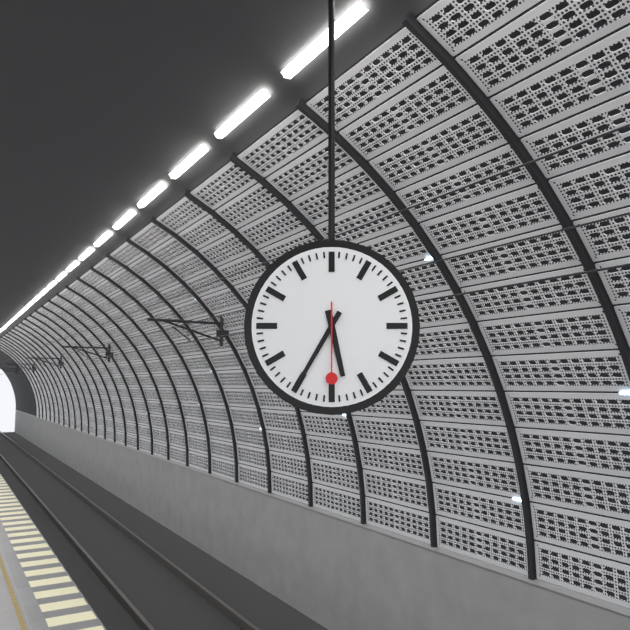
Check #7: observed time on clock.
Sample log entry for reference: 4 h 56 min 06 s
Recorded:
5 h 35 min 30 s
